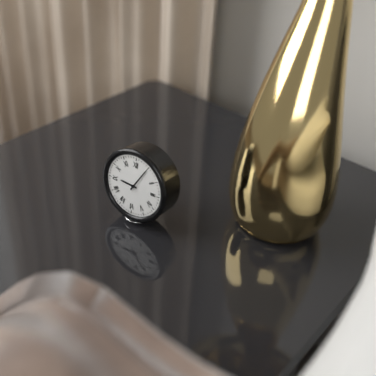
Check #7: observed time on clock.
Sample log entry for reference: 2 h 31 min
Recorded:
9 h 05 min
